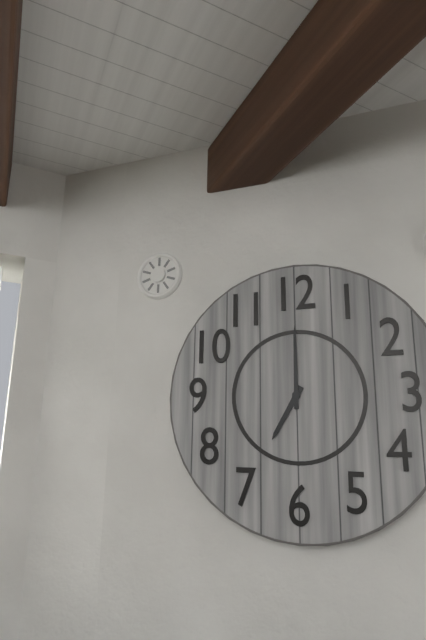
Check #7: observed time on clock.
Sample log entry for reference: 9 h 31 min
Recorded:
7 h 00 min
